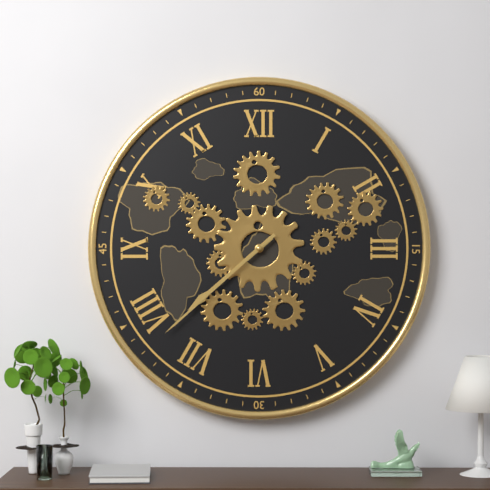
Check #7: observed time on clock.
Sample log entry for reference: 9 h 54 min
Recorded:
7 h 38 min
